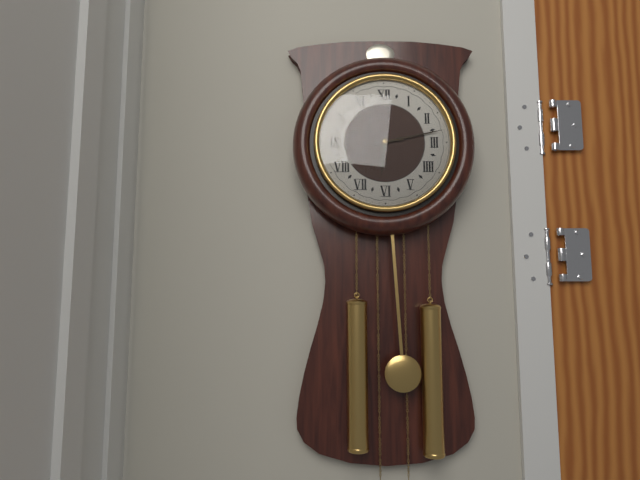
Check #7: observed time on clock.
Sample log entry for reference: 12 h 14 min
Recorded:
6 h 13 min
